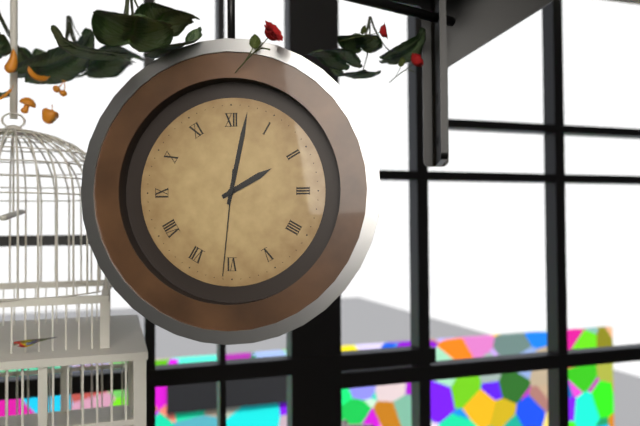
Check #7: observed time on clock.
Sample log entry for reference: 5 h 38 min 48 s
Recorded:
2 h 02 min 31 s
